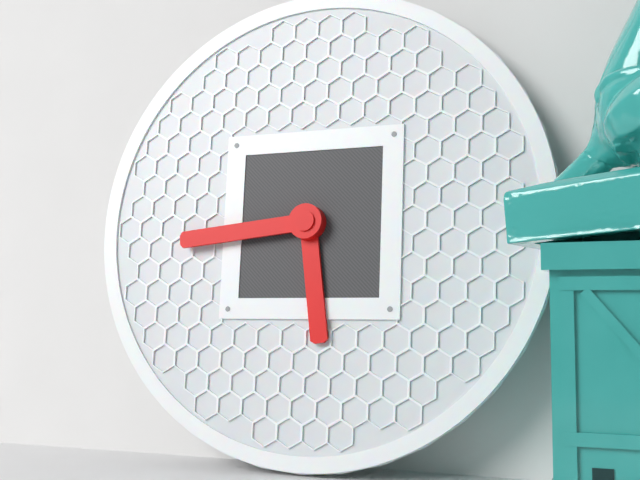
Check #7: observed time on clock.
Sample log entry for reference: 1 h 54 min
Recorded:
5 h 44 min
